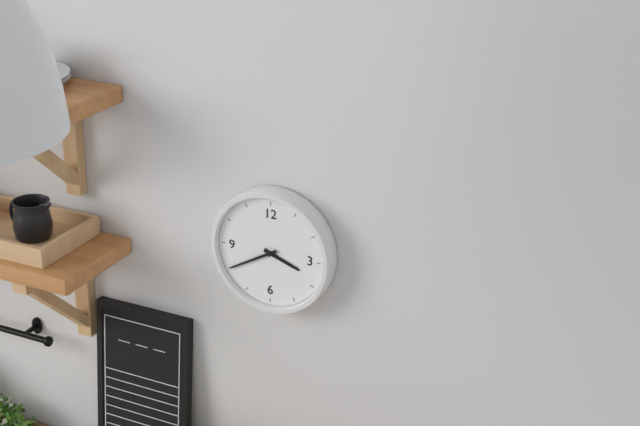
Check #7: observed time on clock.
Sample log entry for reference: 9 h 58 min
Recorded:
3 h 40 min
